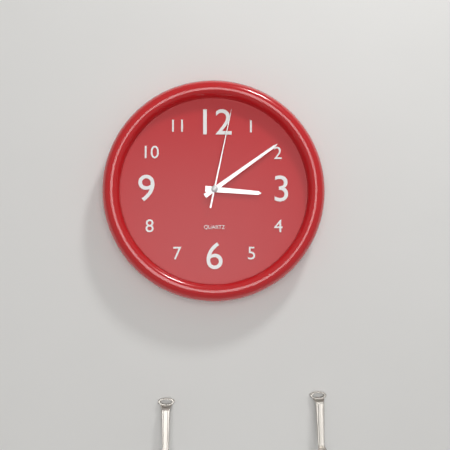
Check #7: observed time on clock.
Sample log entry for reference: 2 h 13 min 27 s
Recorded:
3 h 09 min 02 s
